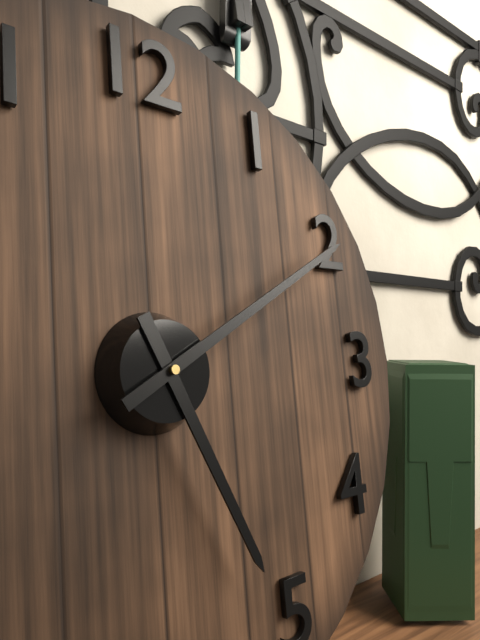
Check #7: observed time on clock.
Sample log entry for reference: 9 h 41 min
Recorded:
5 h 10 min
